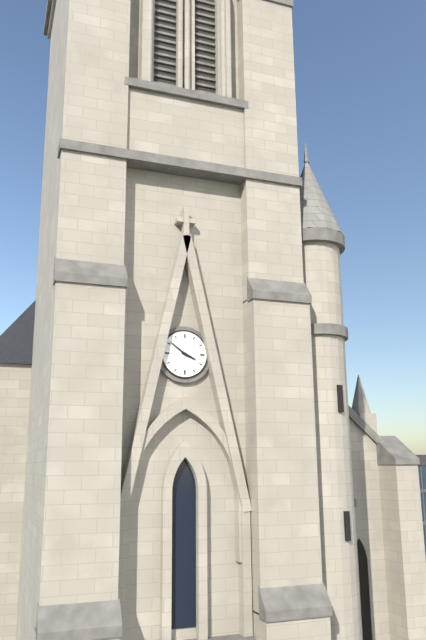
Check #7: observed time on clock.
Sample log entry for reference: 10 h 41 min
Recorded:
3 h 51 min
